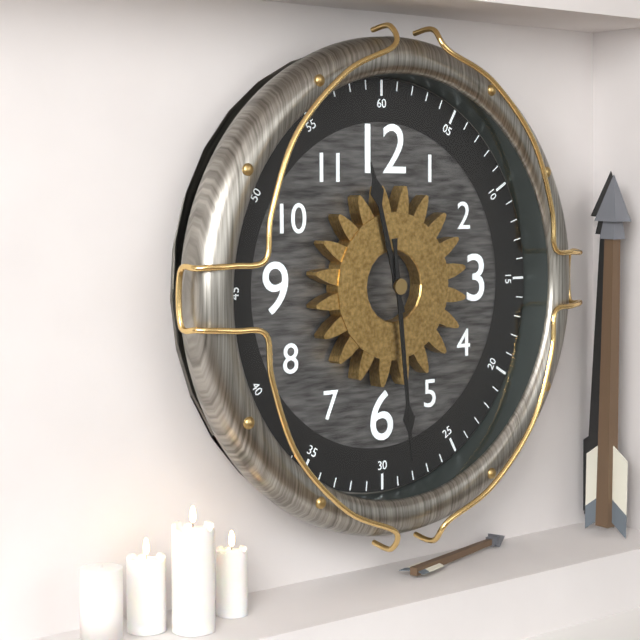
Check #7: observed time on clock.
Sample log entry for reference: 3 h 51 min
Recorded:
11 h 29 min
